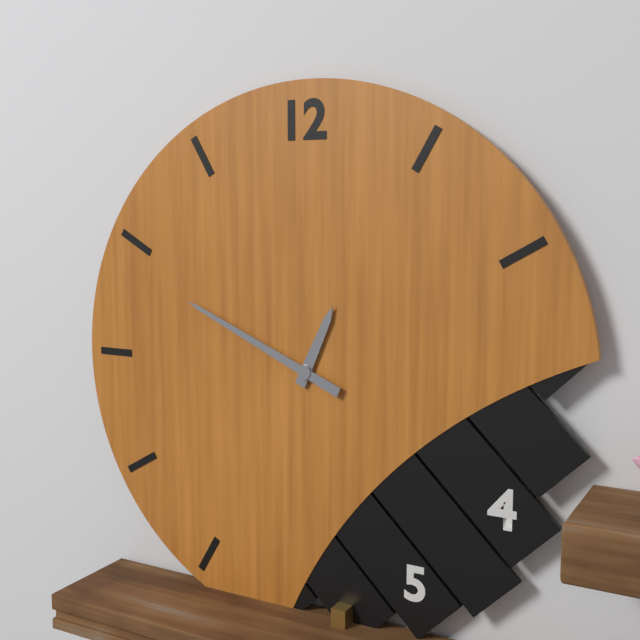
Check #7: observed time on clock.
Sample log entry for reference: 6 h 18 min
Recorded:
12 h 49 min
